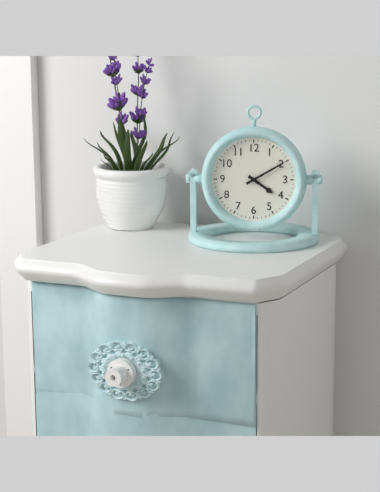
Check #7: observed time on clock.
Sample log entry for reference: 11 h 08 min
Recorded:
4 h 10 min
